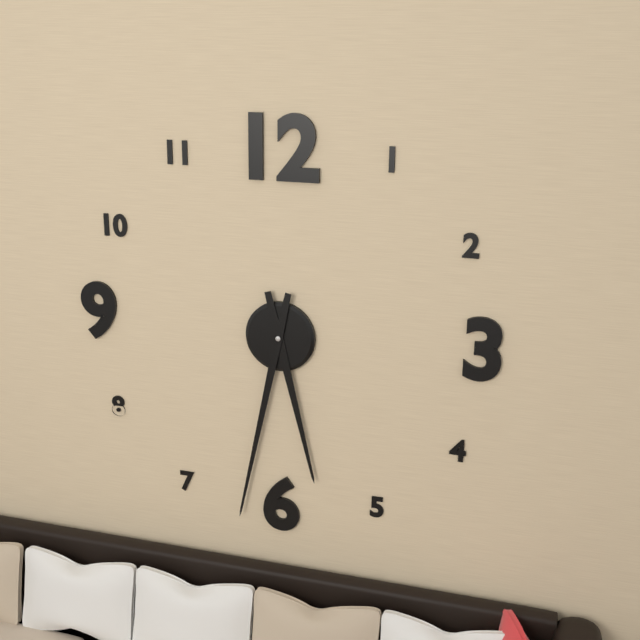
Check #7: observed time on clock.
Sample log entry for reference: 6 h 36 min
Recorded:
5 h 32 min
